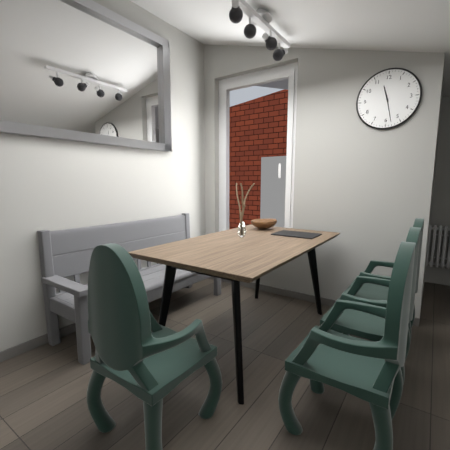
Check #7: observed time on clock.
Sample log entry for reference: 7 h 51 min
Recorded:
11 h 28 min
